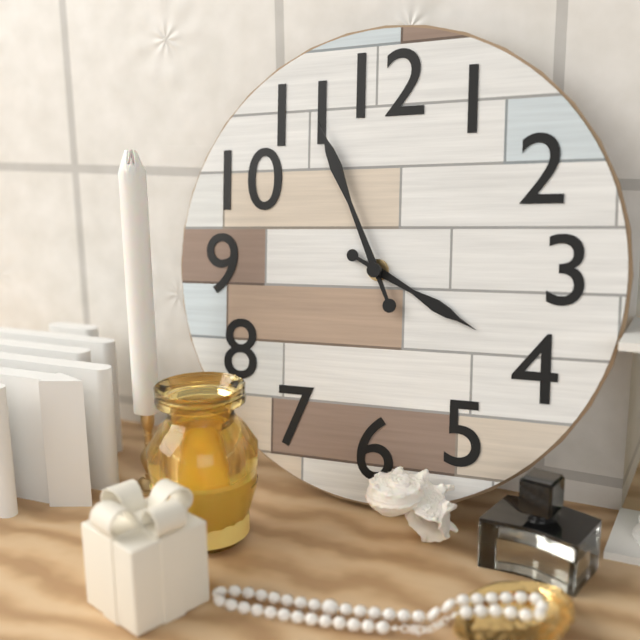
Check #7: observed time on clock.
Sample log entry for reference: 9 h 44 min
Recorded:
3 h 56 min
